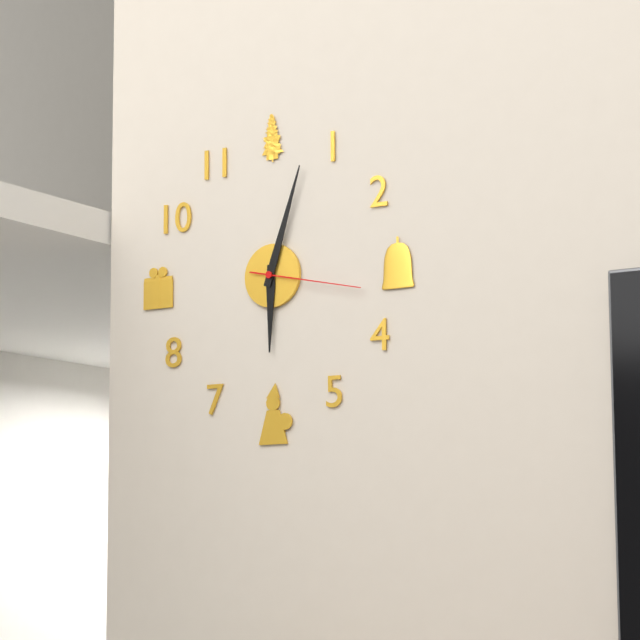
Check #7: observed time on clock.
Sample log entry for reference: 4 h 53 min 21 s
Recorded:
6 h 03 min 17 s
